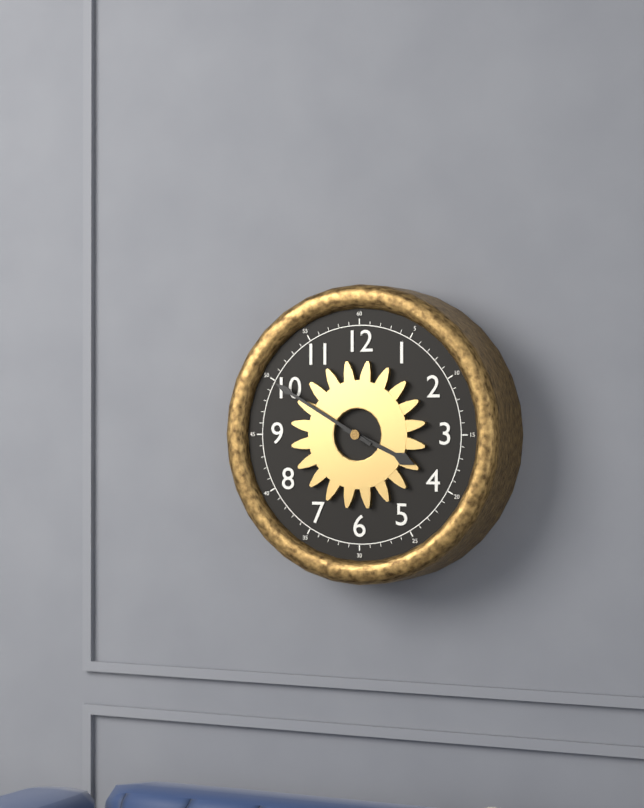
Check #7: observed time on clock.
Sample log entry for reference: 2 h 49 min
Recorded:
3 h 50 min
